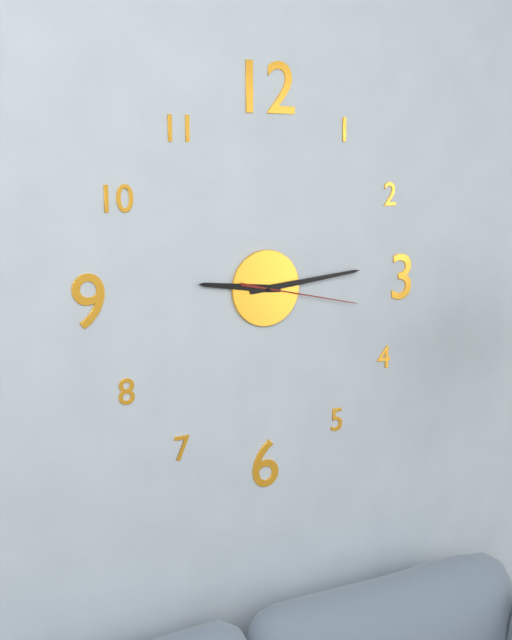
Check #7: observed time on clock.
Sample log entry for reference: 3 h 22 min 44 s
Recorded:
9 h 14 min 17 s
